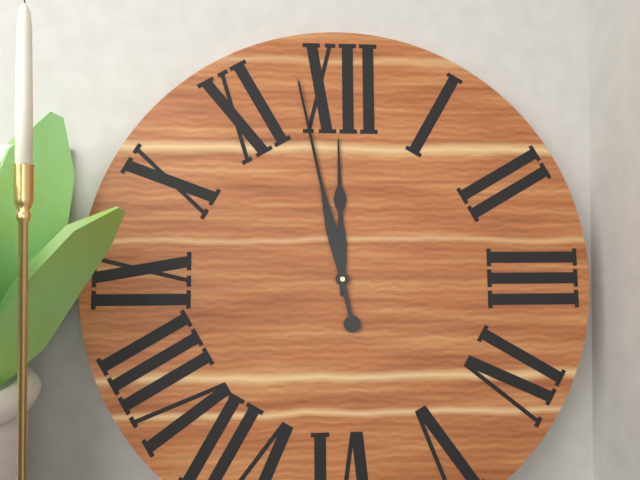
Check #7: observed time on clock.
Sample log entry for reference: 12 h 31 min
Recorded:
11 h 58 min
